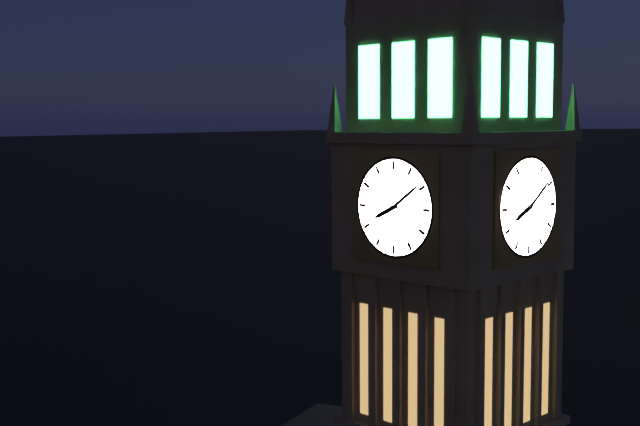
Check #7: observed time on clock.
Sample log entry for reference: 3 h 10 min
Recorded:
8 h 09 min
